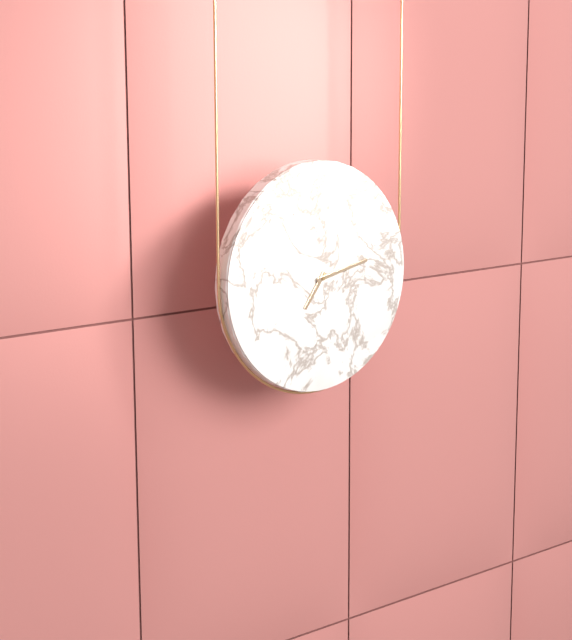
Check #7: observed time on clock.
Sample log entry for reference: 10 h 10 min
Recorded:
7 h 13 min
